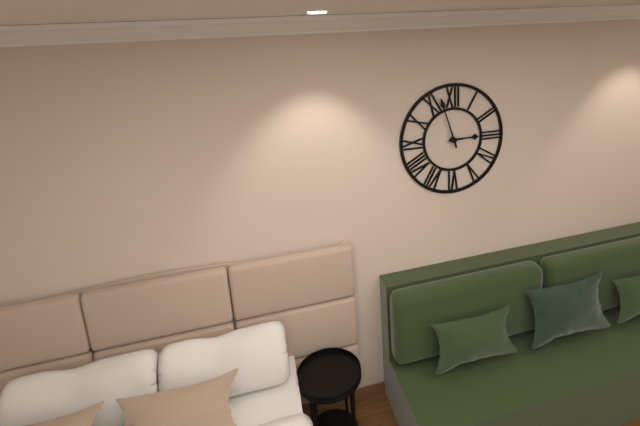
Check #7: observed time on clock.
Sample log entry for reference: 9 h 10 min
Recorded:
2 h 57 min
